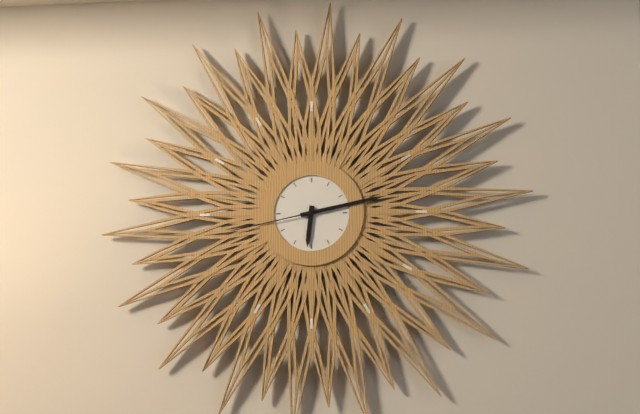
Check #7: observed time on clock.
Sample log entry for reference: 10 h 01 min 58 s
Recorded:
6 h 13 min 43 s
